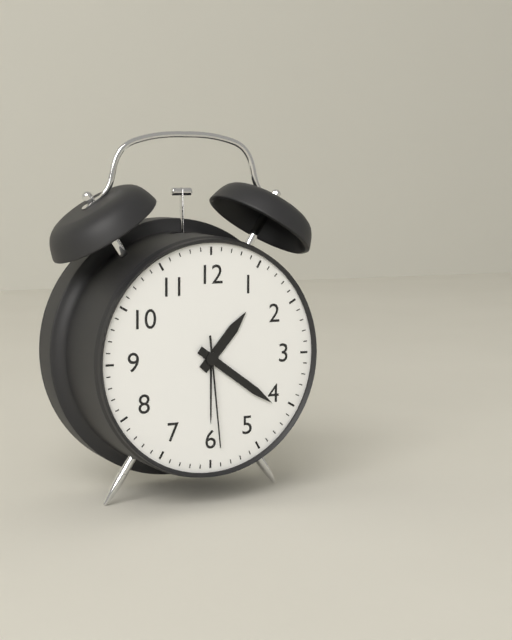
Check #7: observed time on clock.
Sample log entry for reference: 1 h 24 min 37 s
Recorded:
1 h 21 min 29 s
